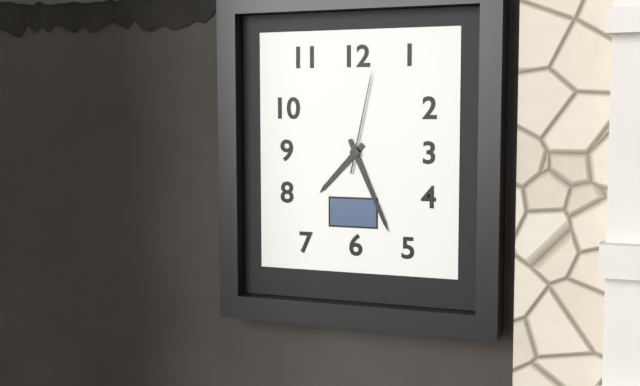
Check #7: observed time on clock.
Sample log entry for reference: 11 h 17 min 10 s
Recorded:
7 h 26 min 02 s
